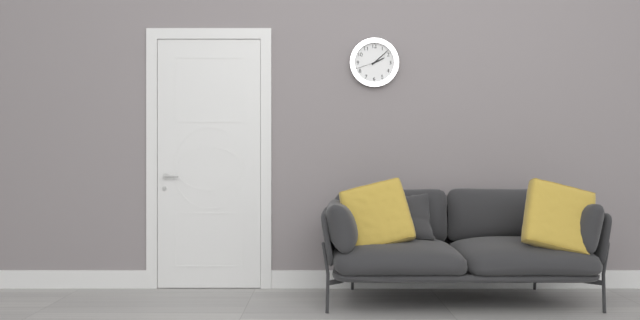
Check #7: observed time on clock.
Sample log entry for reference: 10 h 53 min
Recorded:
2 h 08 min
